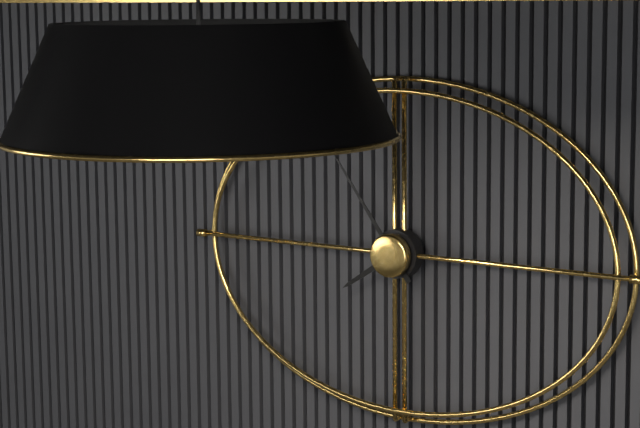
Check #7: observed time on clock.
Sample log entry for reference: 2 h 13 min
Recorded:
7 h 54 min
